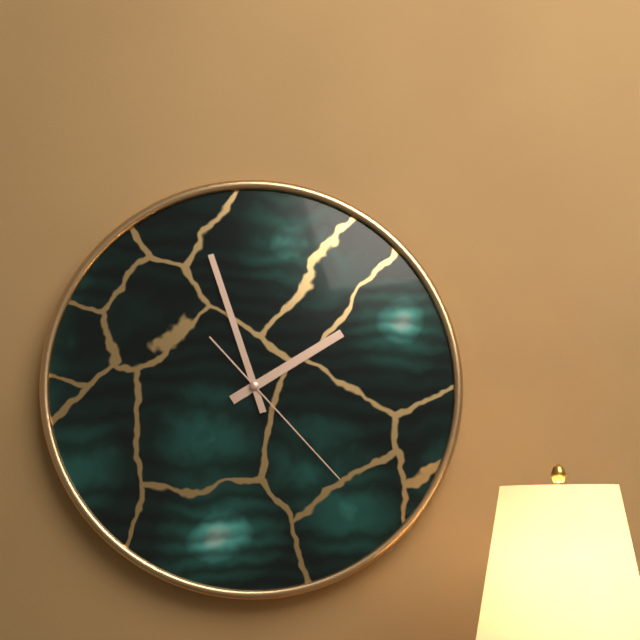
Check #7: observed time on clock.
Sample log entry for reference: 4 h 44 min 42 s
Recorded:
1 h 57 min 23 s
